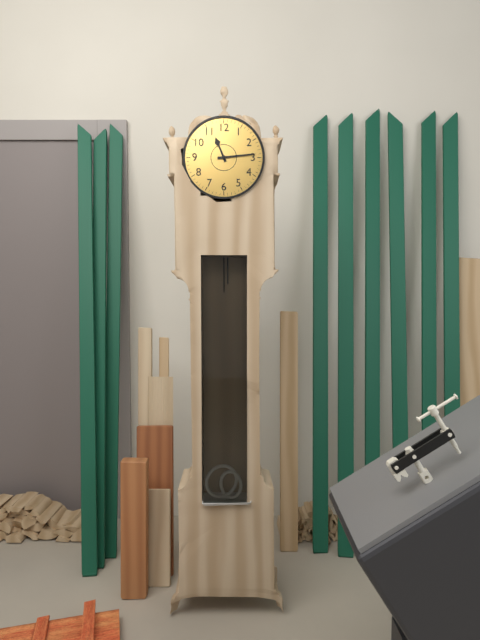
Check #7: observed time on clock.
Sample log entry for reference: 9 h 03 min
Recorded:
11 h 14 min
